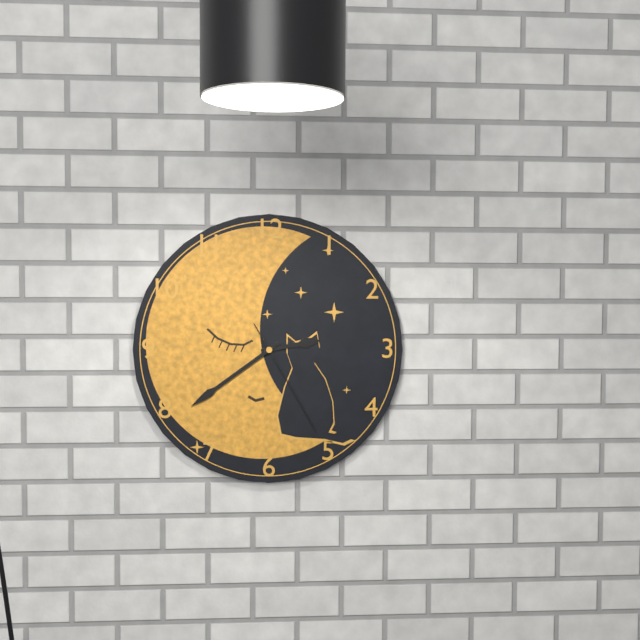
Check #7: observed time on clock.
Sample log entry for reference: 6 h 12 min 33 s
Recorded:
2 h 39 min 25 s
